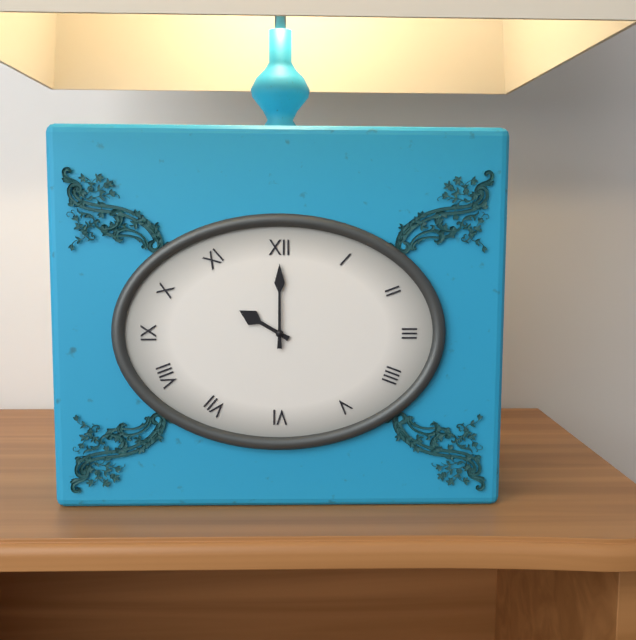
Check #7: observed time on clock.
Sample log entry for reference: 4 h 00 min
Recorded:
10 h 00 min
